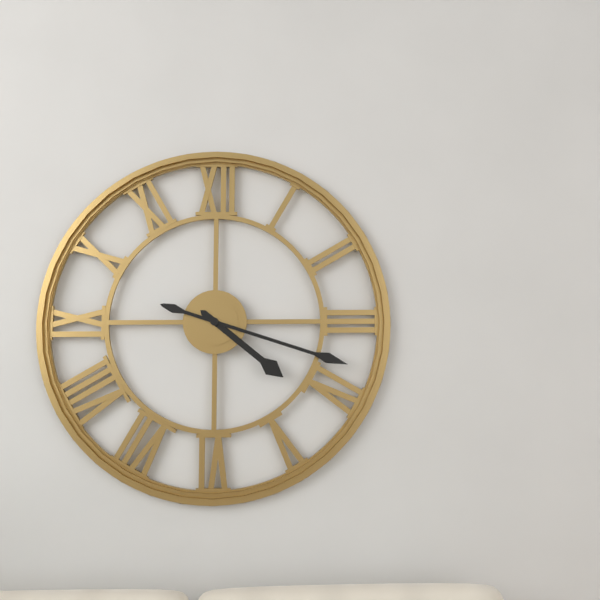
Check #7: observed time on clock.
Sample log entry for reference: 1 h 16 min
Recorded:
4 h 18 min
